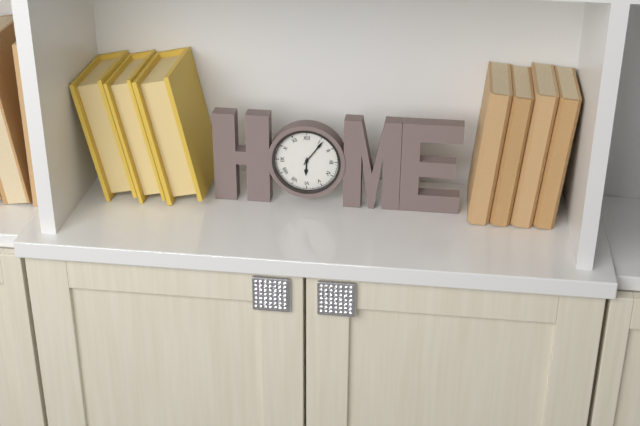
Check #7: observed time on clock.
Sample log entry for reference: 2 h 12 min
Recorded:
6 h 06 min
